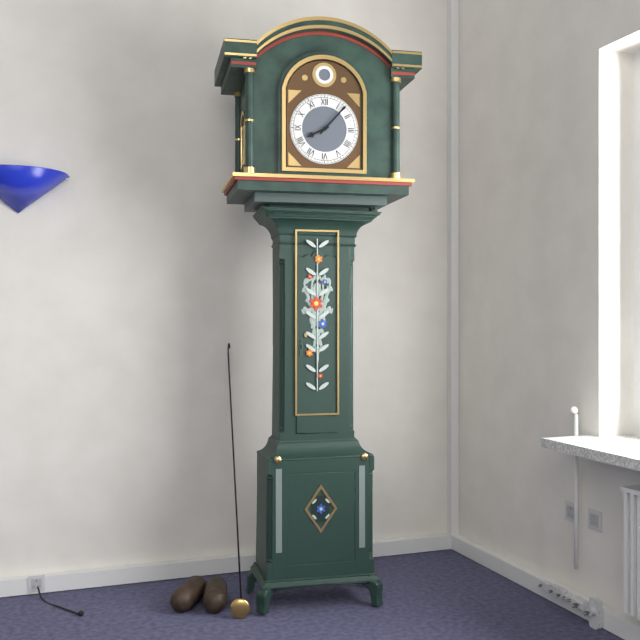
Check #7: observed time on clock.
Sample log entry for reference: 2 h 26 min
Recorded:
8 h 07 min
